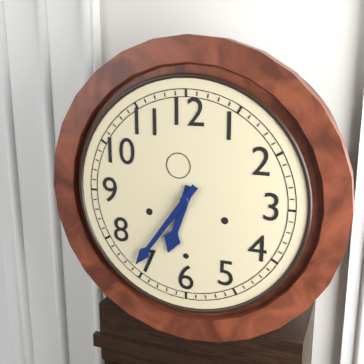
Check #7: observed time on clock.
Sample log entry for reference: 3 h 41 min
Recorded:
6 h 36 min
